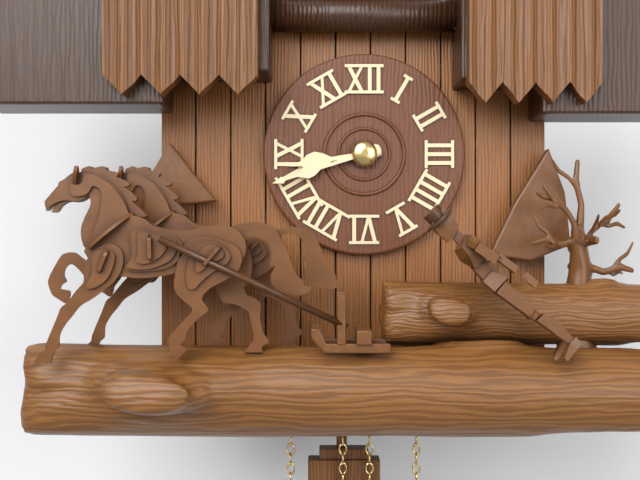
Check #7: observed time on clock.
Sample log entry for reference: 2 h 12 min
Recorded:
8 h 42 min
